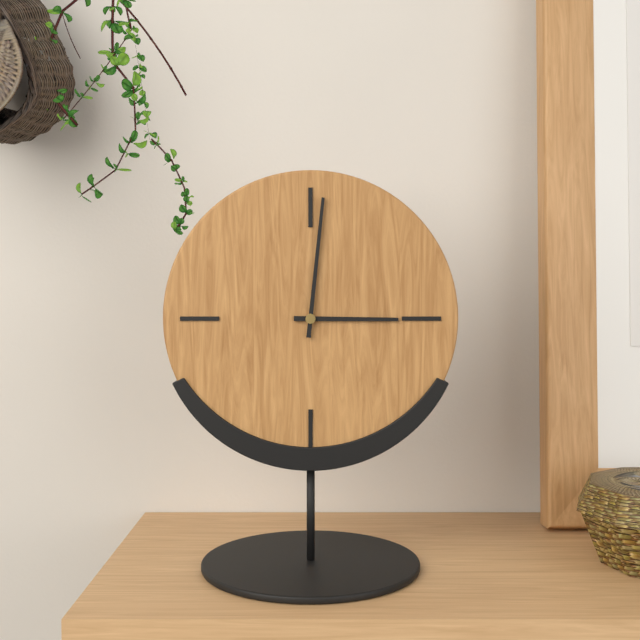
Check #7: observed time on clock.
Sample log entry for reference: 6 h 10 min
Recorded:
3 h 01 min
